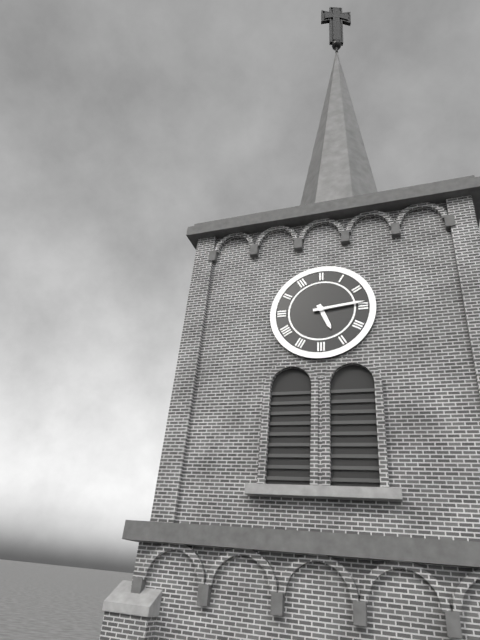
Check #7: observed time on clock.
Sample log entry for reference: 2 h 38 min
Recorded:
5 h 14 min
